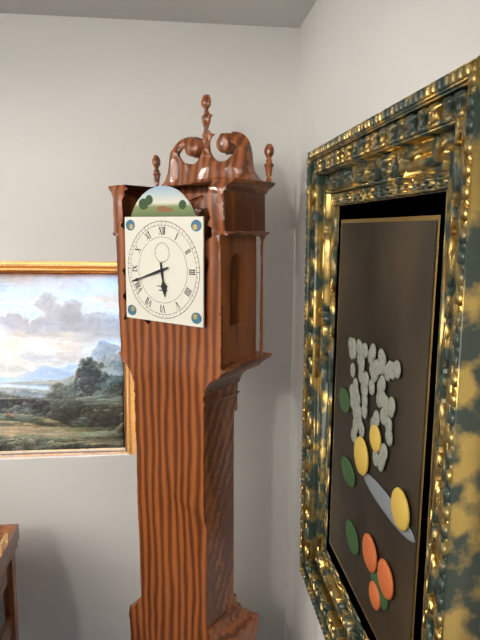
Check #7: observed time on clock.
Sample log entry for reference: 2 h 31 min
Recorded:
5 h 42 min
